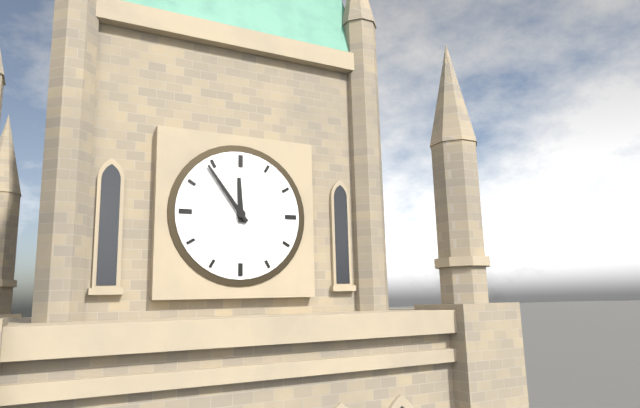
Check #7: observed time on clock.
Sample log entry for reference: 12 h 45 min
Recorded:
11 h 54 min
